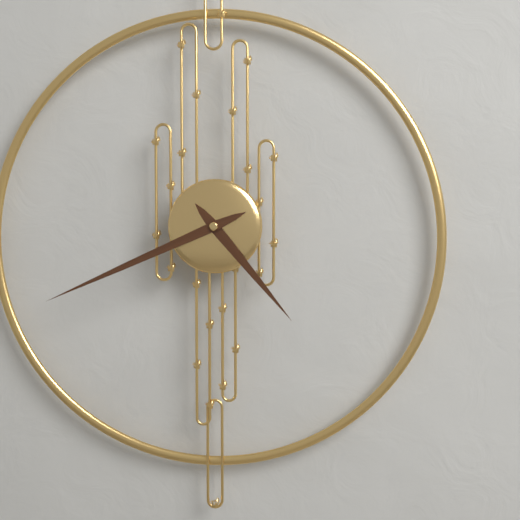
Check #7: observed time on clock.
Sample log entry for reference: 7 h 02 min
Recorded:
4 h 41 min
